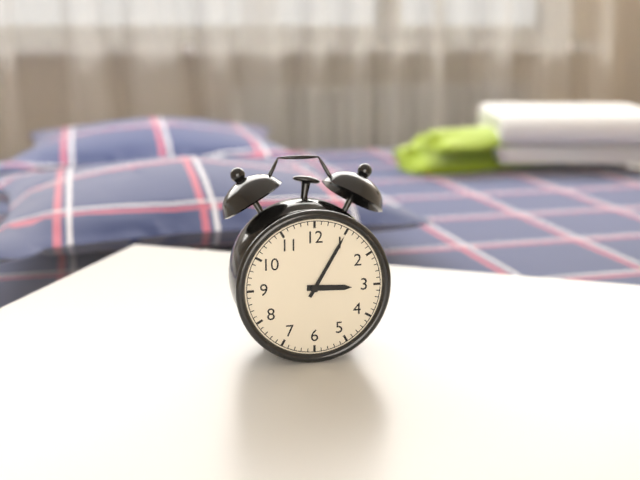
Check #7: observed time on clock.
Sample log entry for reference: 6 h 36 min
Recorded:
3 h 05 min
